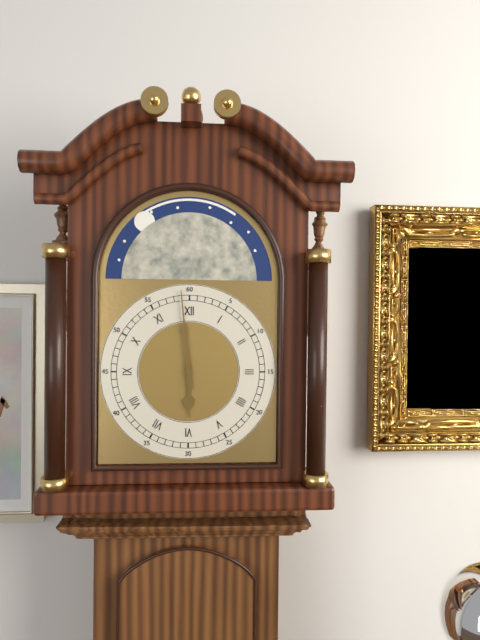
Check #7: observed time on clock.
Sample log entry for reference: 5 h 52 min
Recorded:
5 h 59 min
